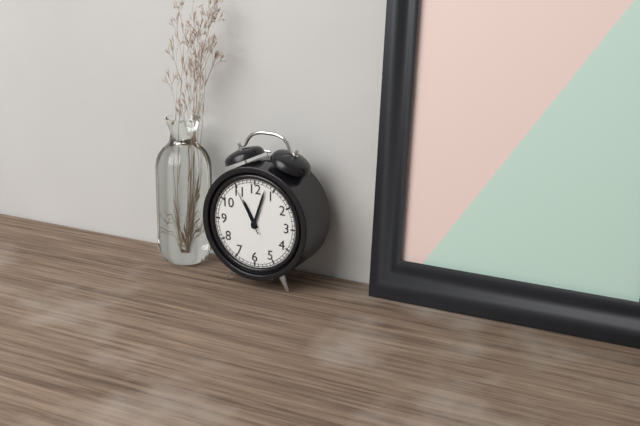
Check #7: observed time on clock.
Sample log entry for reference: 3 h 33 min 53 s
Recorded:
11 h 03 min 55 s
